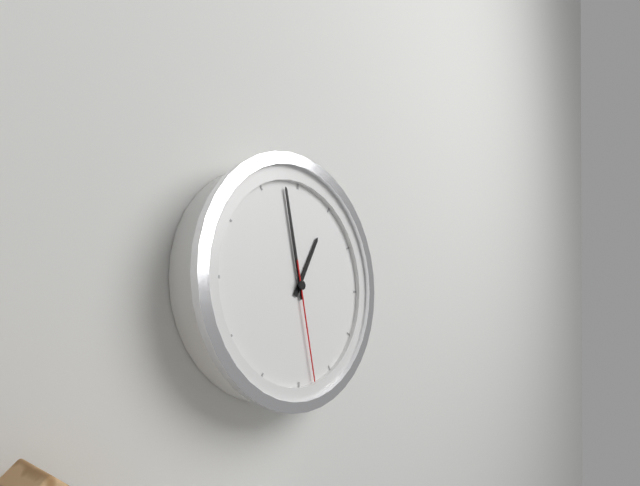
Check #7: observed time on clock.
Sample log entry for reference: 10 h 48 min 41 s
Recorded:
12 h 58 min 28 s
